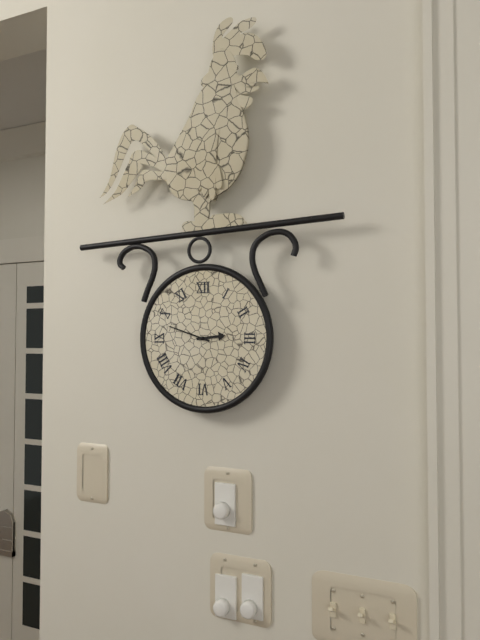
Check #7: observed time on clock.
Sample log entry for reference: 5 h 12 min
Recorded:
2 h 48 min
